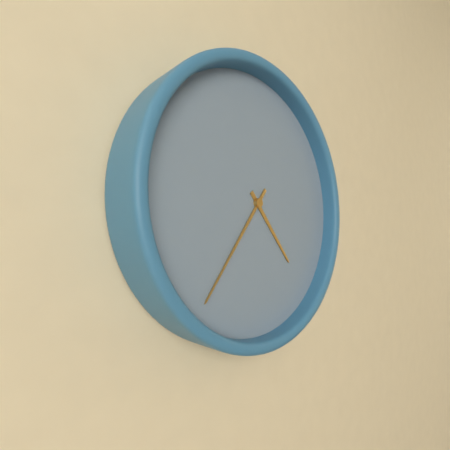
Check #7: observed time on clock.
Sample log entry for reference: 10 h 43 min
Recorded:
4 h 36 min
